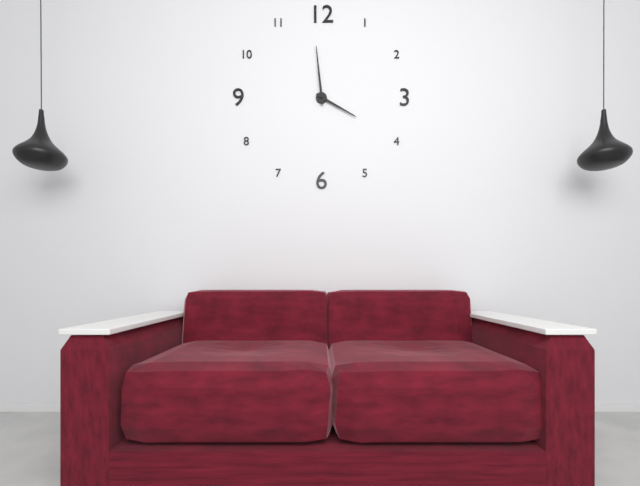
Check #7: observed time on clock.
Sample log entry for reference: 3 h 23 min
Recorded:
3 h 59 min
